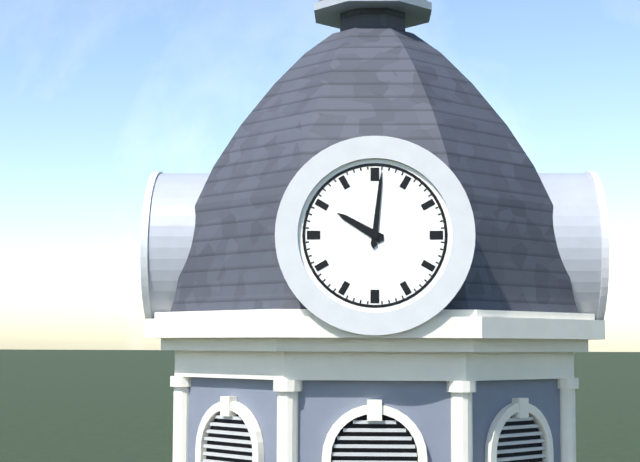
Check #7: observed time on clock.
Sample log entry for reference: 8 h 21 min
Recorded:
10 h 01 min
